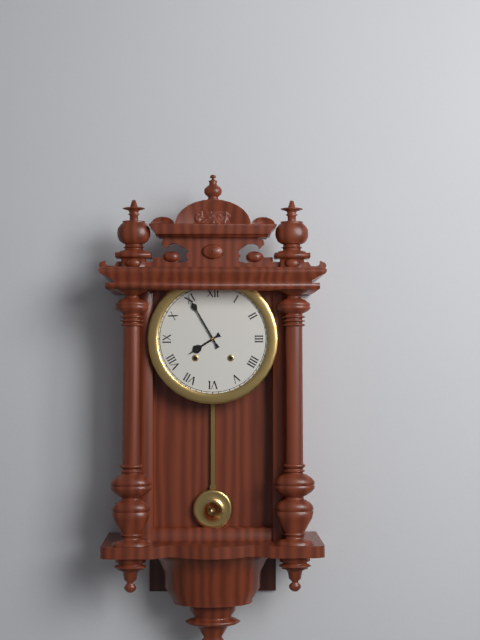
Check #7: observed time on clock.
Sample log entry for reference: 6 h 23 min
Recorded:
7 h 55 min
